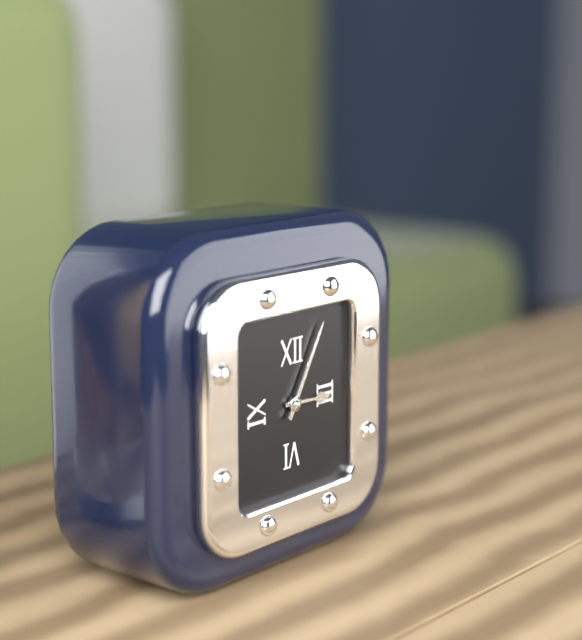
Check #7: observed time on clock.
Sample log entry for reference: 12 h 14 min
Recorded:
3 h 05 min
